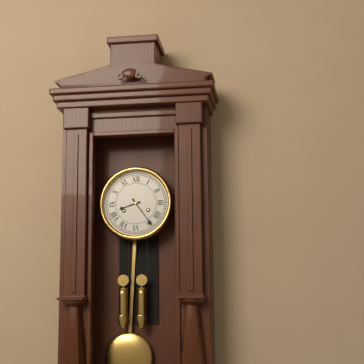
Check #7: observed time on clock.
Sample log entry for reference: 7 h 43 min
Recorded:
8 h 24 min
